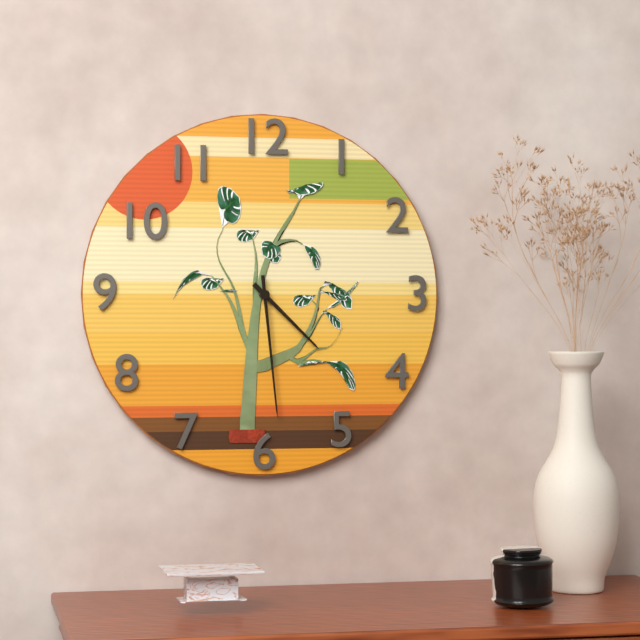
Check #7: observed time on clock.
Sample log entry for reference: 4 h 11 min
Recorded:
4 h 29 min
